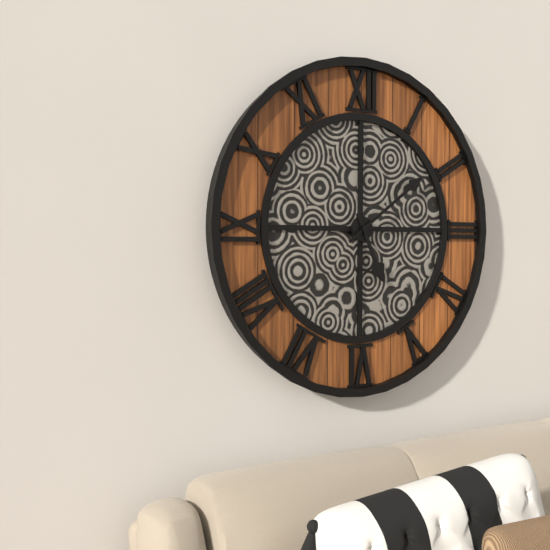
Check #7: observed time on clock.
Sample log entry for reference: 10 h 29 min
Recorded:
5 h 09 min
